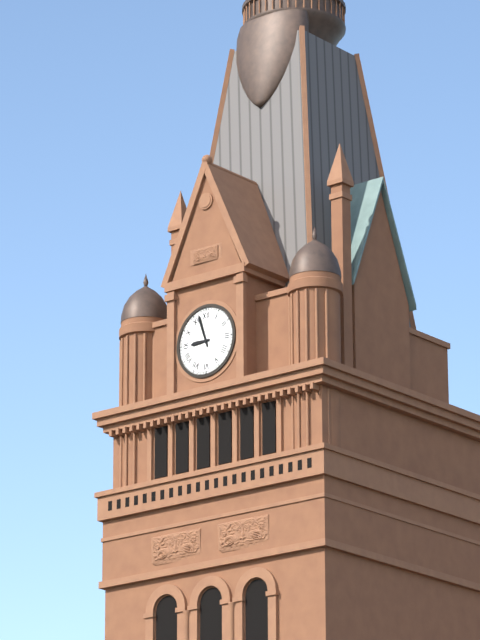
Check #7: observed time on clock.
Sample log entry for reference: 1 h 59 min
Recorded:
8 h 57 min
